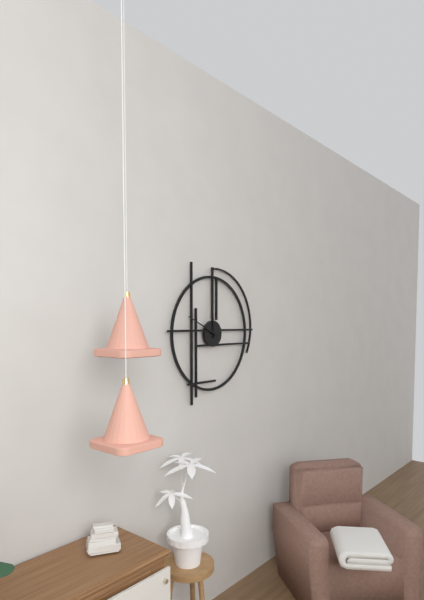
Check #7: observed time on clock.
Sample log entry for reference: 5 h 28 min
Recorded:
11 h 49 min
